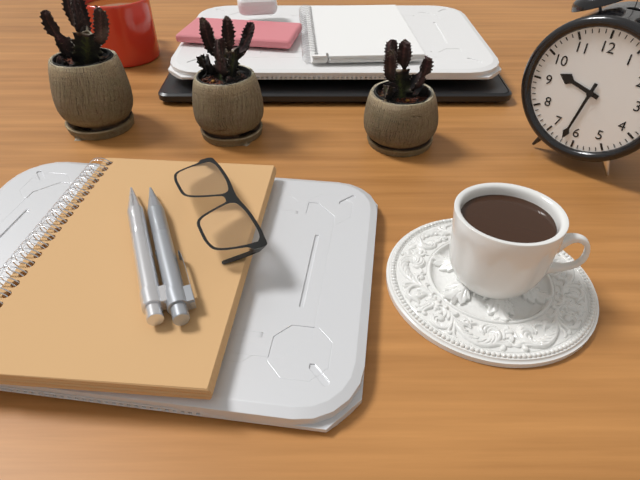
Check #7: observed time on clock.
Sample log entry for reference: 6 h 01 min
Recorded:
9 h 32 min
